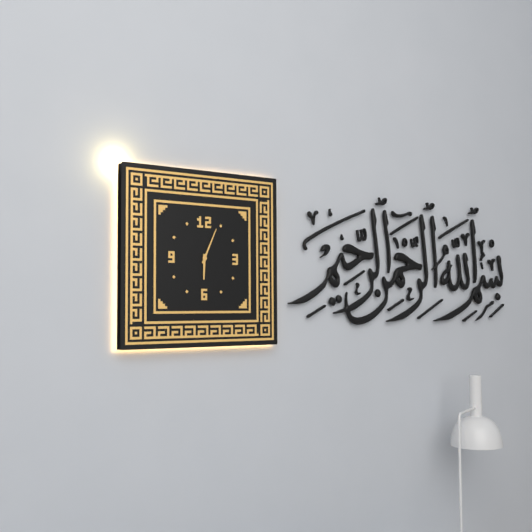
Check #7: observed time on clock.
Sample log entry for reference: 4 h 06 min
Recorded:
6 h 04 min
